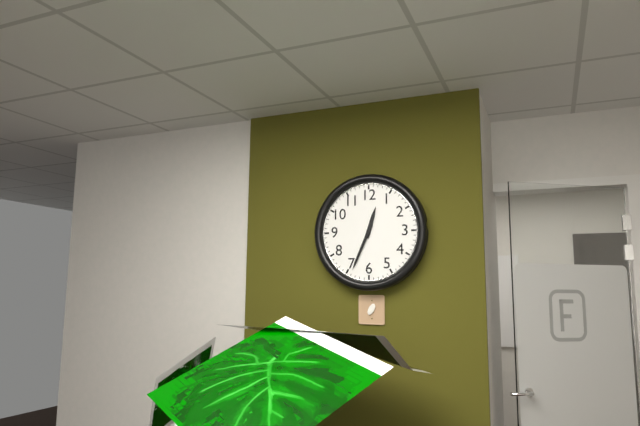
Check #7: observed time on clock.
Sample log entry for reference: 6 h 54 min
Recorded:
12 h 34 min
